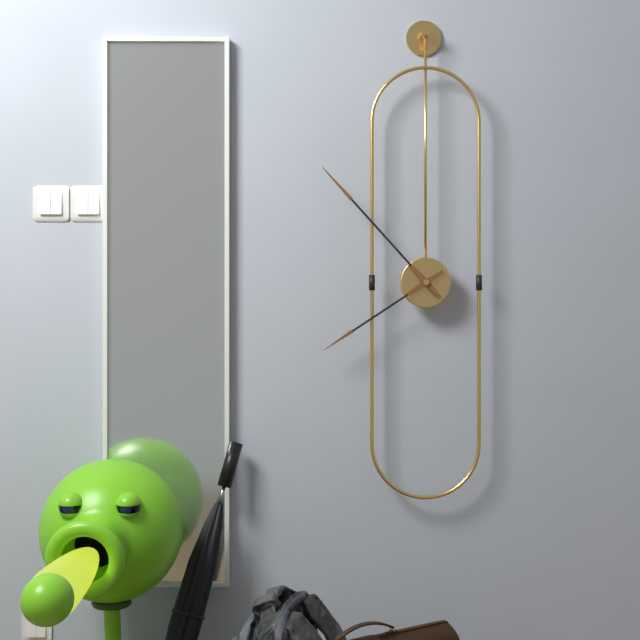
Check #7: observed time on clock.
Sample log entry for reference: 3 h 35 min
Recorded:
7 h 53 min
